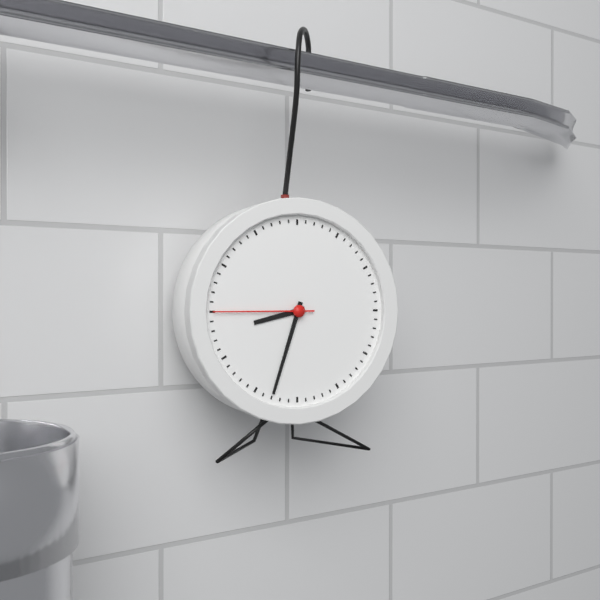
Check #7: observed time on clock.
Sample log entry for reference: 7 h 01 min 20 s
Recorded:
8 h 33 min 45 s
